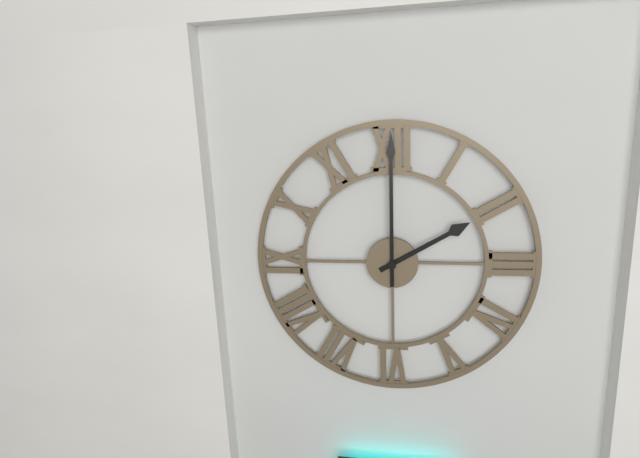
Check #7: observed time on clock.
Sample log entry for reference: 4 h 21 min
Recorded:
2 h 00 min
